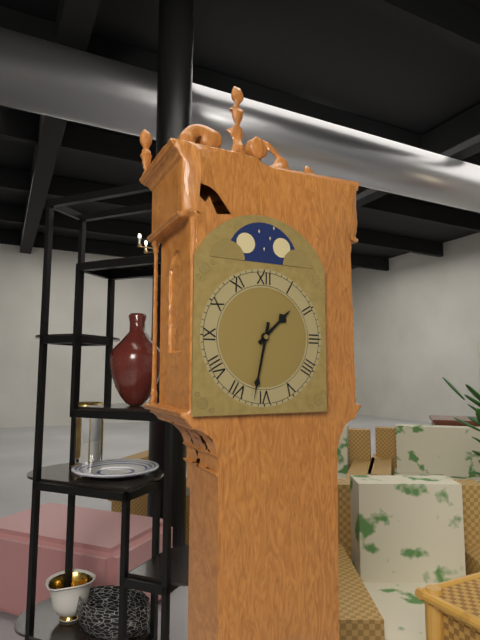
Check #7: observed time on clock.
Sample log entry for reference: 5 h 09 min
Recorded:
1 h 32 min
